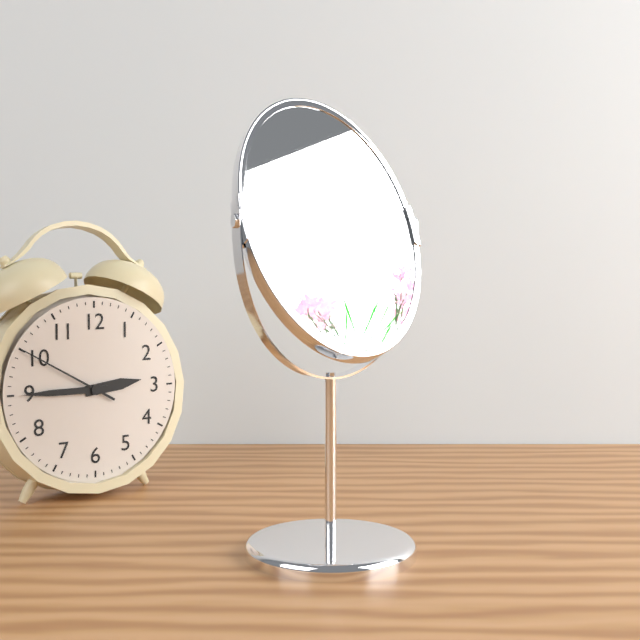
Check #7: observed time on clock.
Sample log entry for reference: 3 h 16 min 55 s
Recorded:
2 h 45 min 50 s
